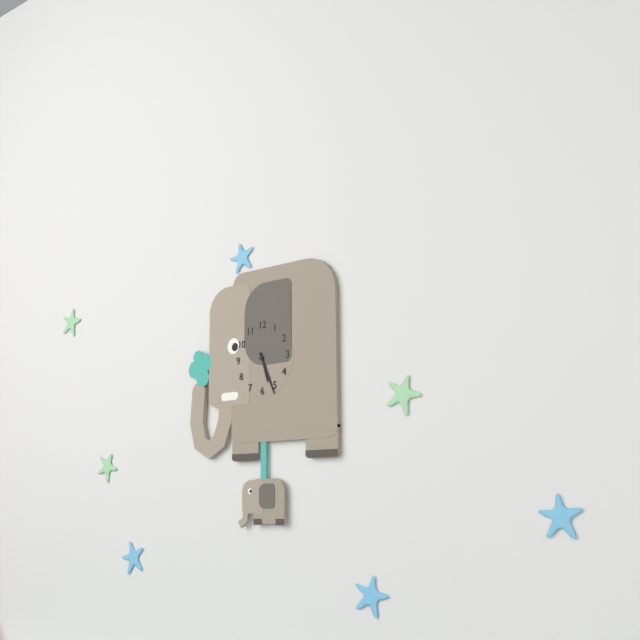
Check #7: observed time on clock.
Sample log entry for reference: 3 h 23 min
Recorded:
5 h 26 min
